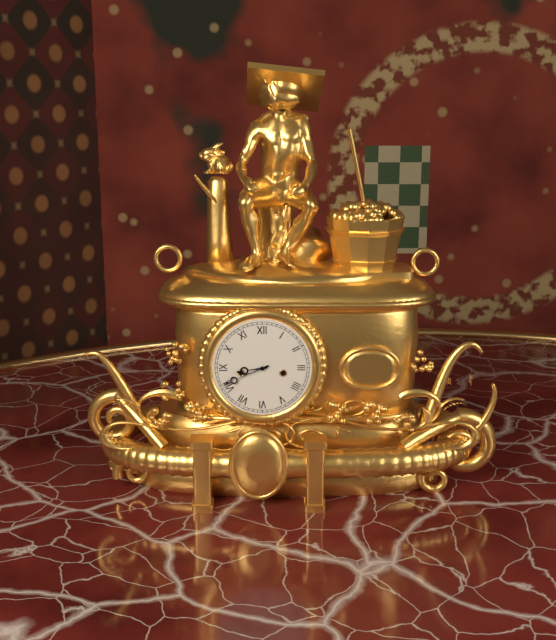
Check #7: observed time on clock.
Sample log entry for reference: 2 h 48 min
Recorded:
8 h 41 min
